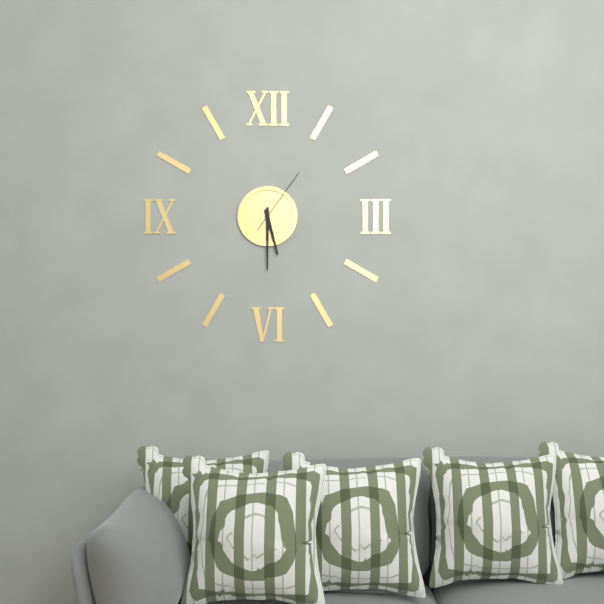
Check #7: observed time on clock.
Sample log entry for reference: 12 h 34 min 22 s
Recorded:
5 h 30 min 06 s
